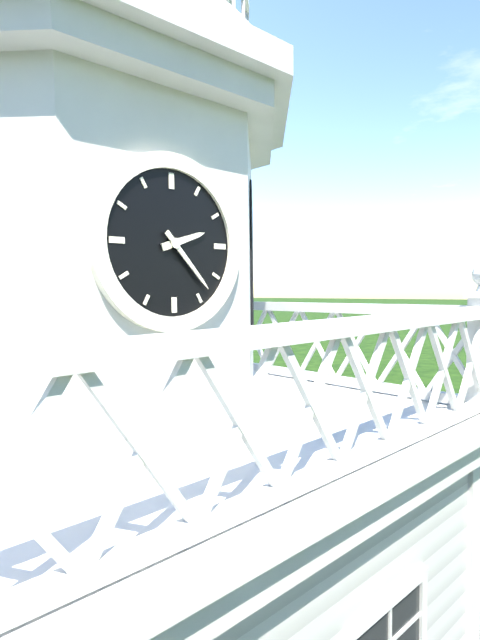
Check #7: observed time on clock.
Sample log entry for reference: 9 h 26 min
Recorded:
2 h 23 min
